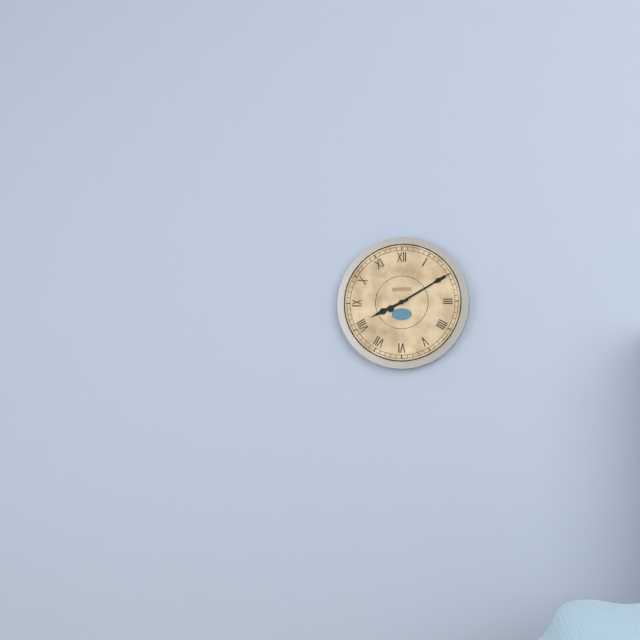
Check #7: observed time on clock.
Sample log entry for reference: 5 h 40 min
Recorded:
8 h 10 min
